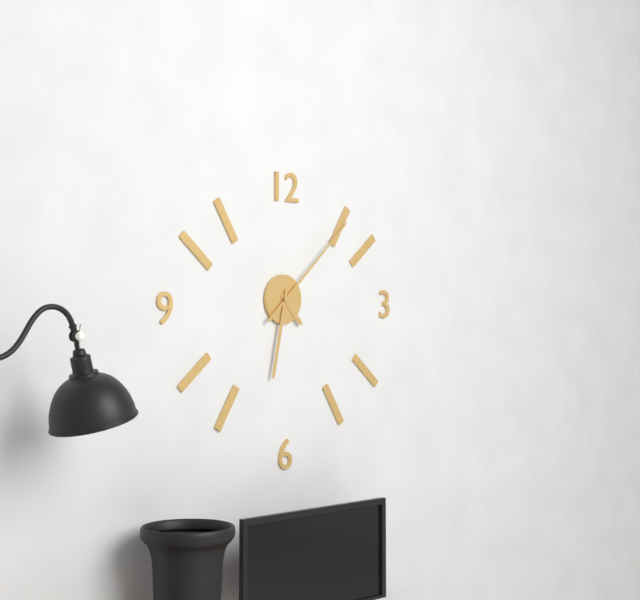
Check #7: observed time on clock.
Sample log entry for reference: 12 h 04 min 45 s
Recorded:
4 h 32 min 08 s
